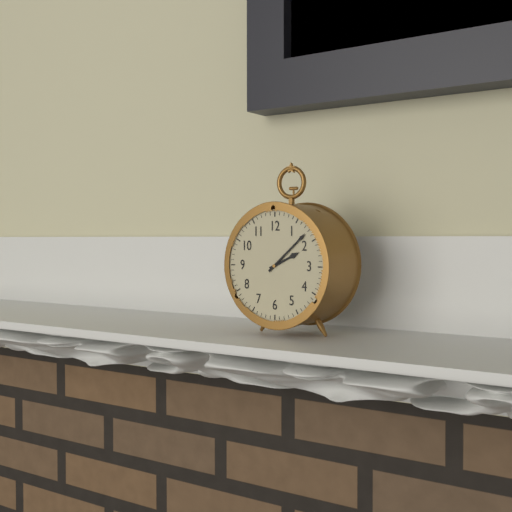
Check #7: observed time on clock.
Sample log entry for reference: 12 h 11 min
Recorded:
2 h 08 min
